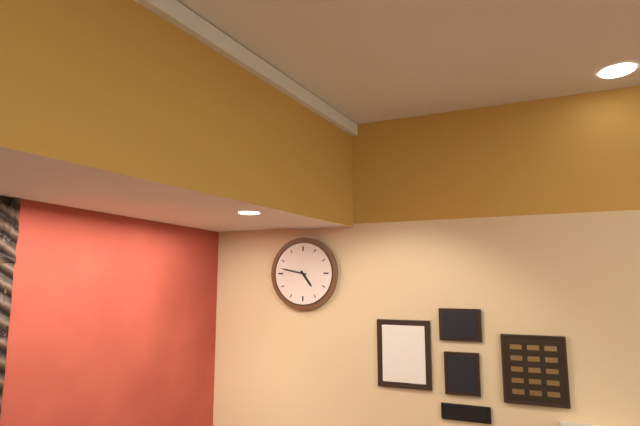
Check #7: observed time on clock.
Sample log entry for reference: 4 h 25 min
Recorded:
4 h 47 min
